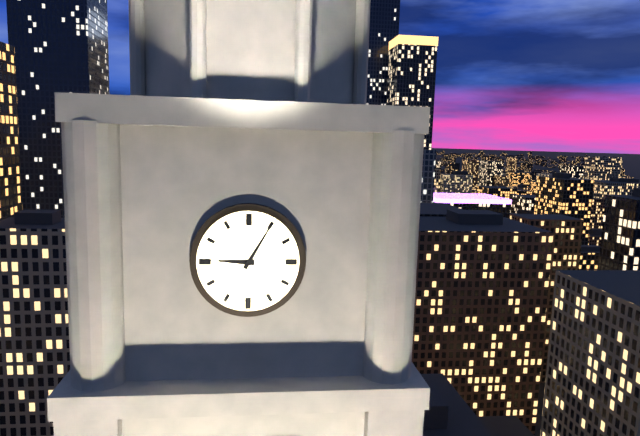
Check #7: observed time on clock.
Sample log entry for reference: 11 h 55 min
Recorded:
9 h 05 min
